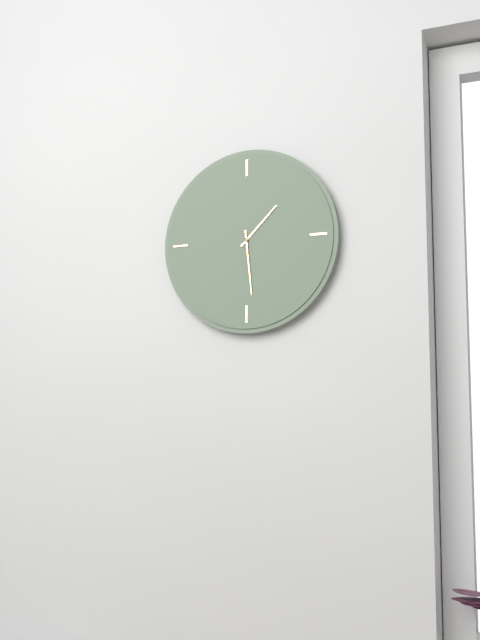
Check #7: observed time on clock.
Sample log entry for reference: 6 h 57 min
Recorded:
1 h 29 min
